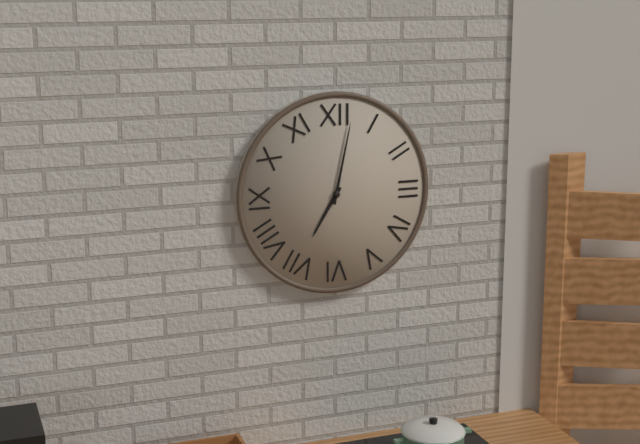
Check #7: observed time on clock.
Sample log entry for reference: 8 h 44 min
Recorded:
7 h 02 min
